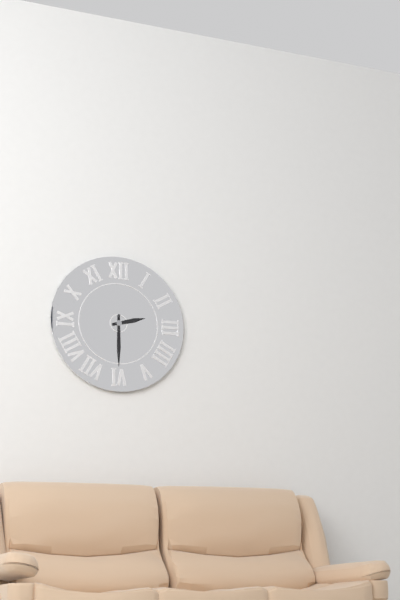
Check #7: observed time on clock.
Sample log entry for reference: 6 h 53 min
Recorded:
2 h 30 min
